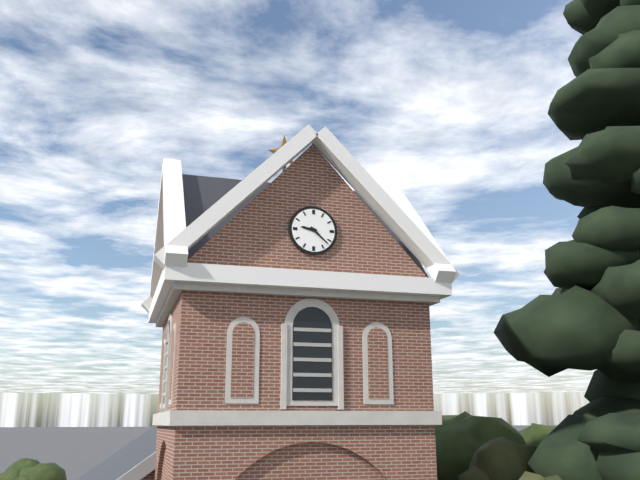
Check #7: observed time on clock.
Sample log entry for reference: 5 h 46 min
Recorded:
9 h 22 min
